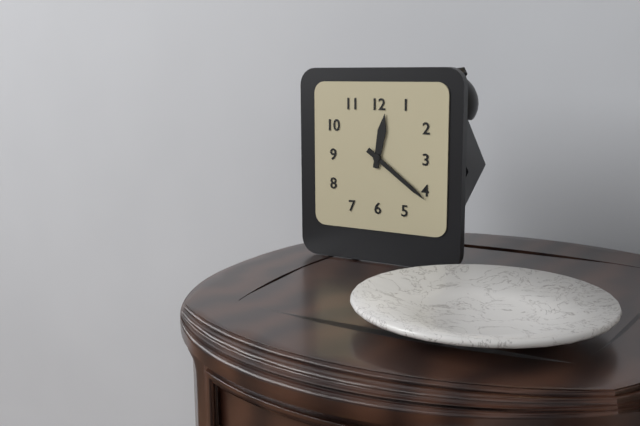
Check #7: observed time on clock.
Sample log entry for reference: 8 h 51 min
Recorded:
12 h 21 min
